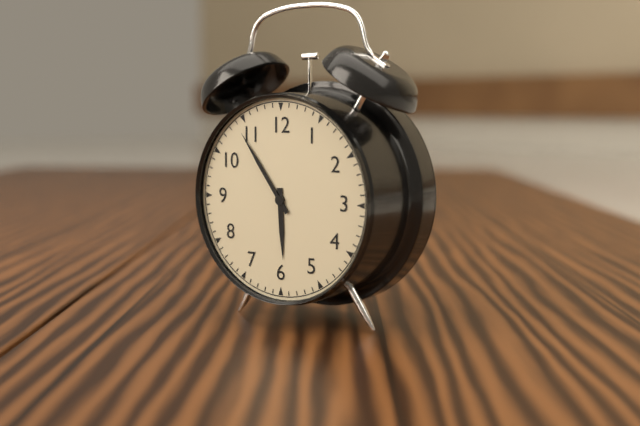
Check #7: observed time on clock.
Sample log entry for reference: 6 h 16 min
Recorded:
5 h 54 min
